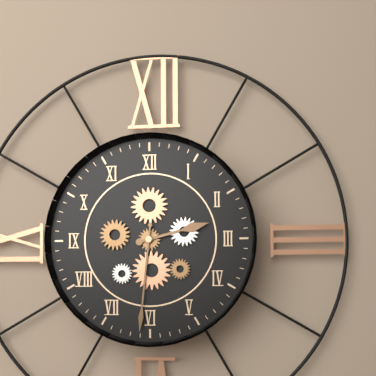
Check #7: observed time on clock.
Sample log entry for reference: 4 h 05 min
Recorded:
2 h 31 min
